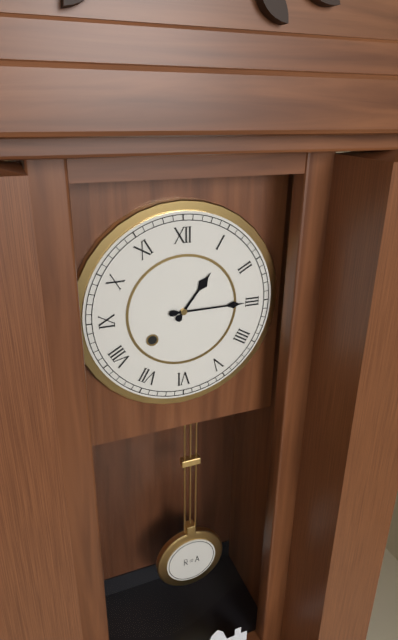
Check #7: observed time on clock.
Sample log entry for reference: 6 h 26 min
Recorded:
1 h 15 min
